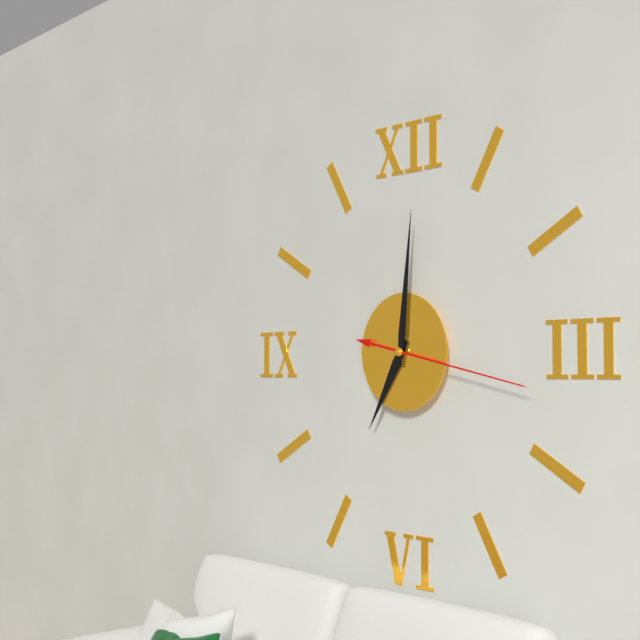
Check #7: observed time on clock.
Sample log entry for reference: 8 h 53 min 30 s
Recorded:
7 h 01 min 17 s
